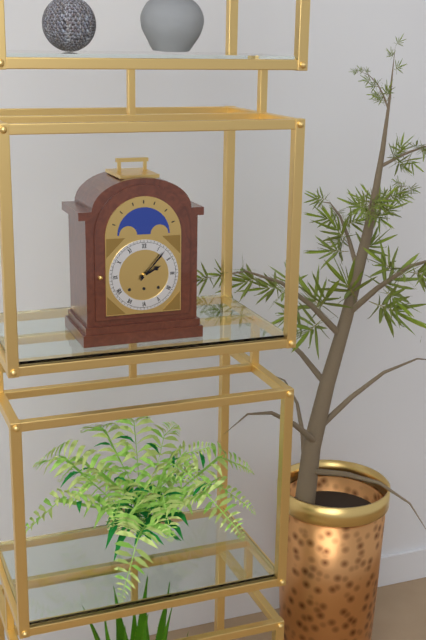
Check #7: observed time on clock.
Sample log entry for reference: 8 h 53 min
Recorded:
2 h 07 min
